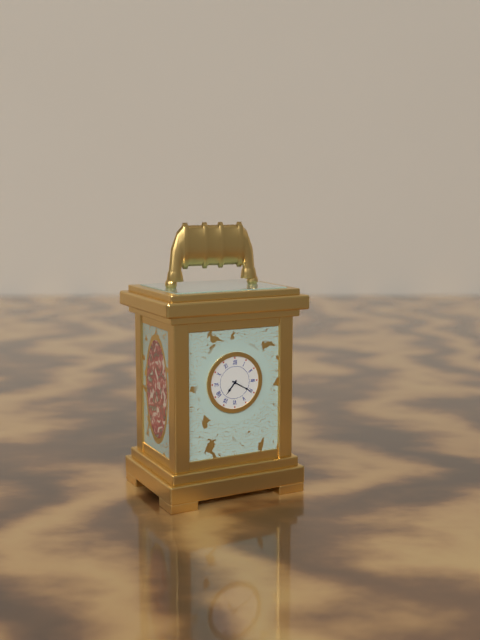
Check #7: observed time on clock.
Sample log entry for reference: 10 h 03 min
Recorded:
7 h 20 min
